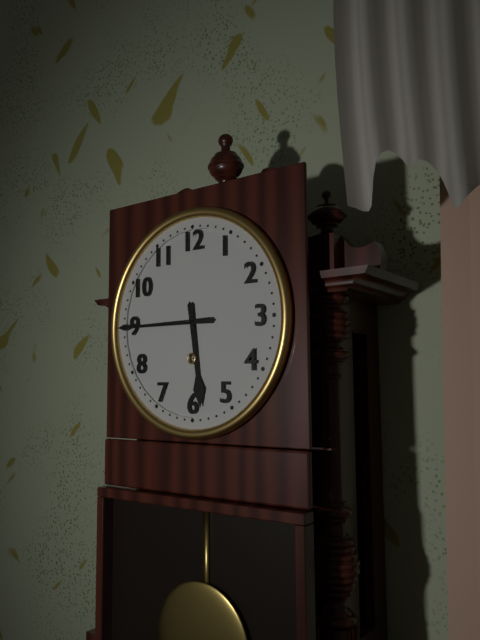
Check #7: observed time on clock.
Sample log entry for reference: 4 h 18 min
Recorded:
5 h 45 min
